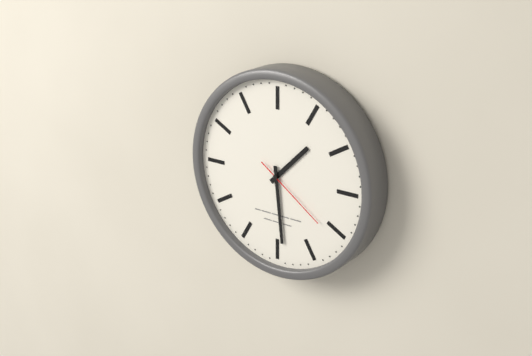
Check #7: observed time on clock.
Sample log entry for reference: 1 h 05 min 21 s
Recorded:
1 h 29 min 21 s
